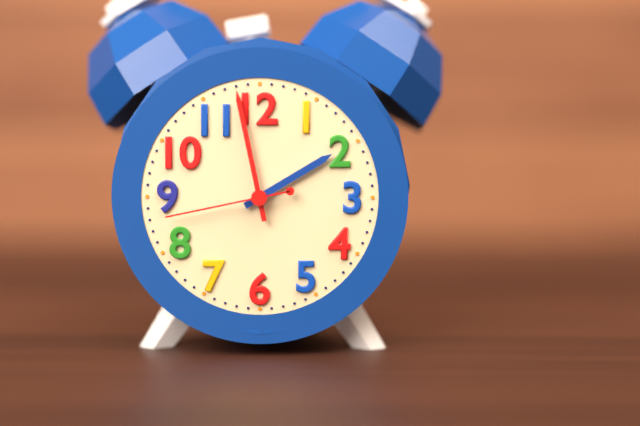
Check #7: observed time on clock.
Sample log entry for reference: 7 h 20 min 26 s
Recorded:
1 h 58 min 43 s
